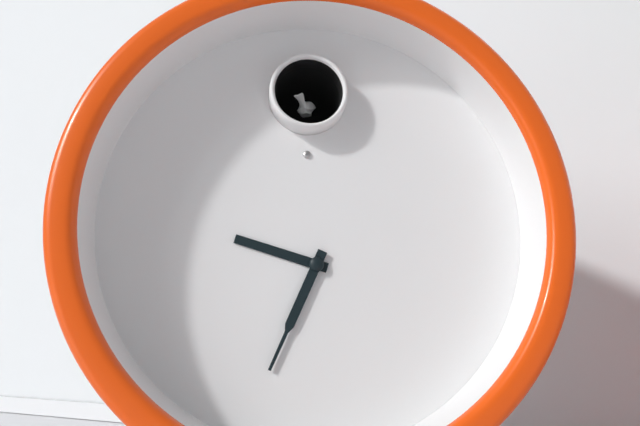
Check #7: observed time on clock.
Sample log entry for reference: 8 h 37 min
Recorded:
9 h 34 min
